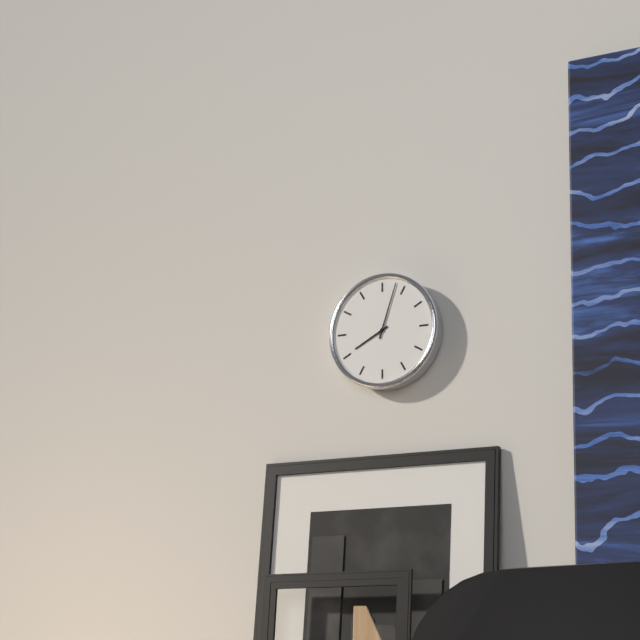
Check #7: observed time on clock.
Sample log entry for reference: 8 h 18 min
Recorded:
8 h 03 min
